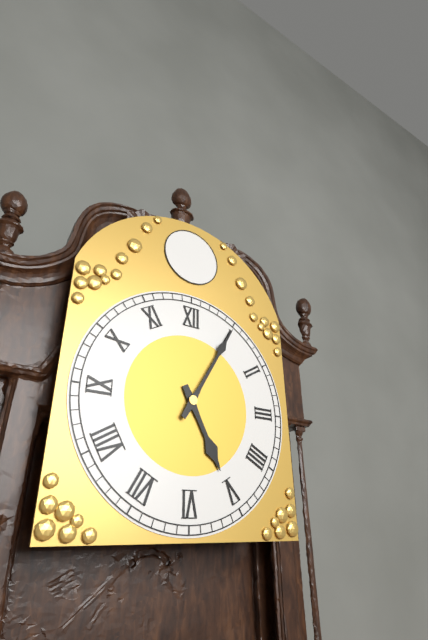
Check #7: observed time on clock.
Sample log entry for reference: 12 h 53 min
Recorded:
5 h 05 min
